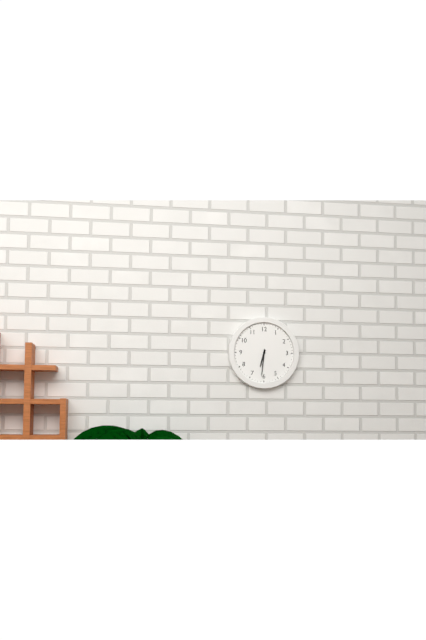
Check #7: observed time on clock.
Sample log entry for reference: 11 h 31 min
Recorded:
6 h 31 min
